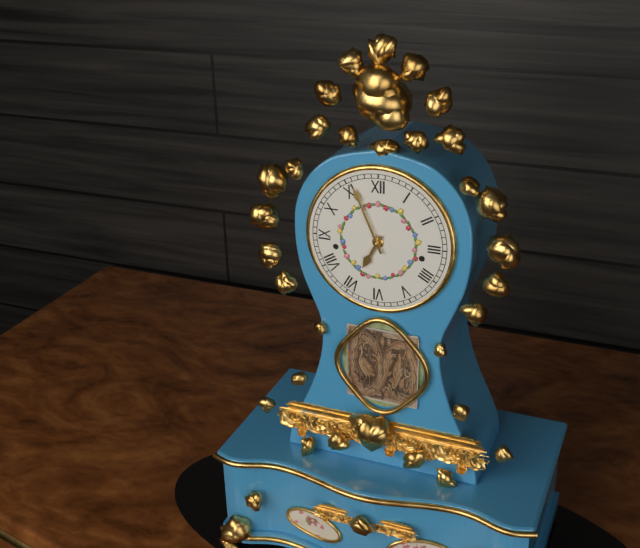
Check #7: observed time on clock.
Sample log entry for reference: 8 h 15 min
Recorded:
6 h 56 min
